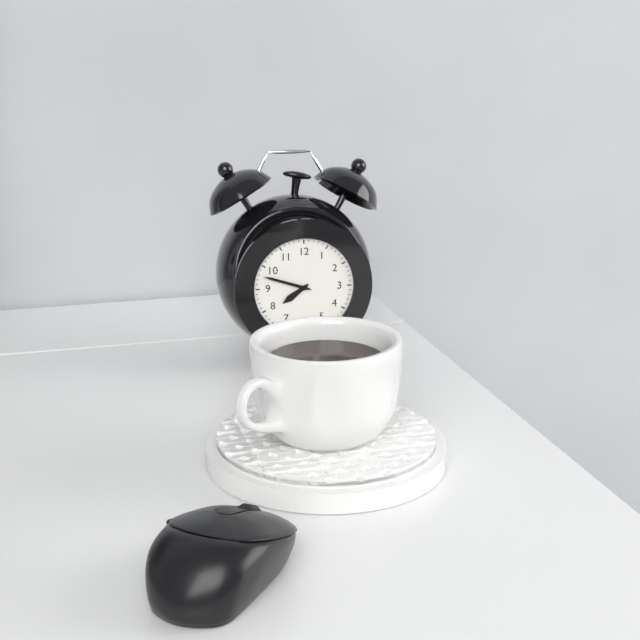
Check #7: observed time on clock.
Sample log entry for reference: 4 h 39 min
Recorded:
7 h 48 min
